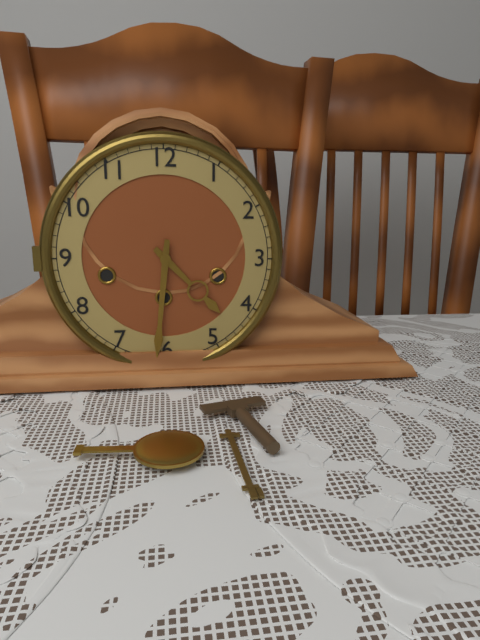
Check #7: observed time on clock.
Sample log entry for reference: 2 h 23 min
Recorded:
4 h 31 min
